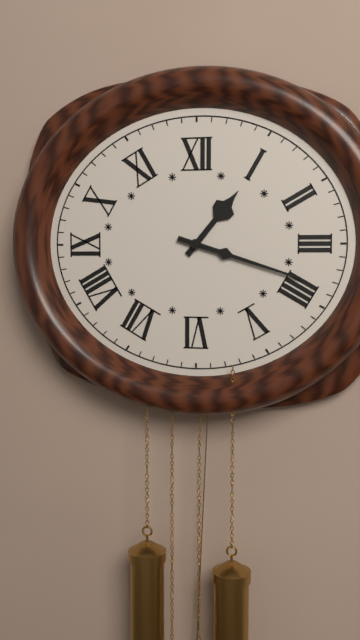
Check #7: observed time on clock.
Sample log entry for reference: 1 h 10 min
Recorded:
1 h 18 min
